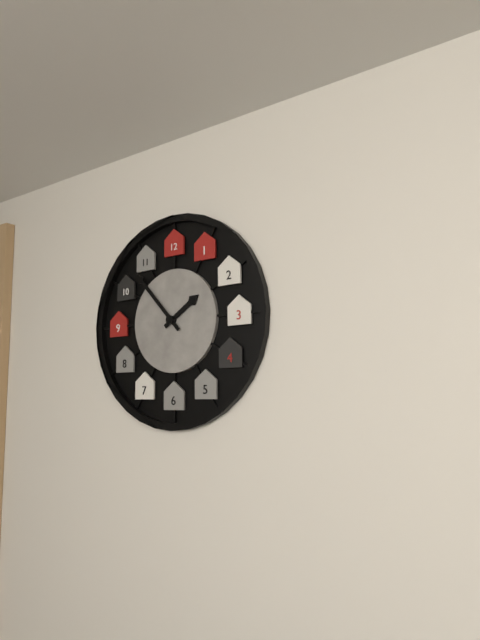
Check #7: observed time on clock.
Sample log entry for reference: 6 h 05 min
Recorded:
1 h 53 min
